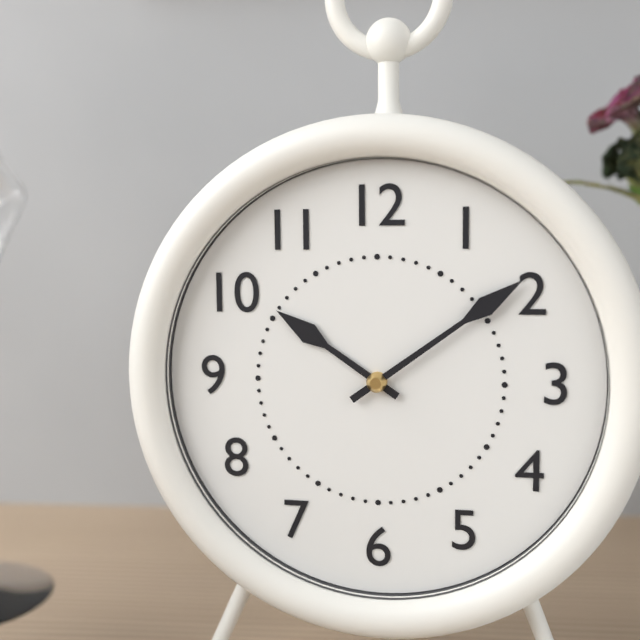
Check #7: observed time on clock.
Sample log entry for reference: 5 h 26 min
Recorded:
10 h 09 min
